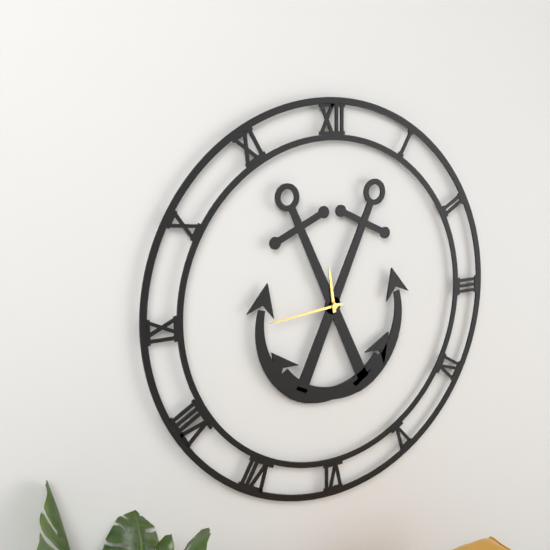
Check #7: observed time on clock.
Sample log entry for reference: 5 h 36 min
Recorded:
11 h 44 min
